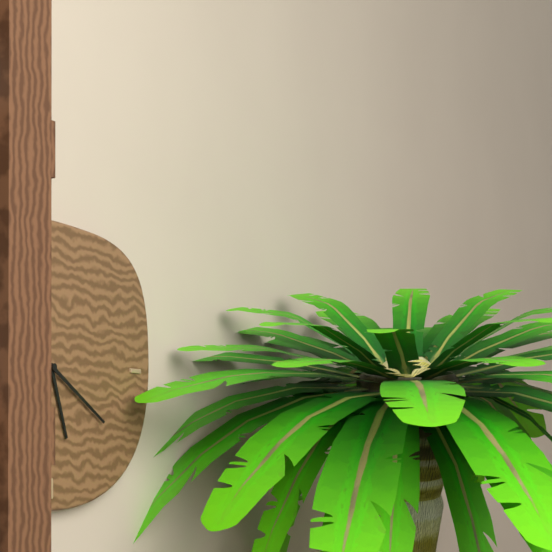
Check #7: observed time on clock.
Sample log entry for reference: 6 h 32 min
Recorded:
5 h 20 min
